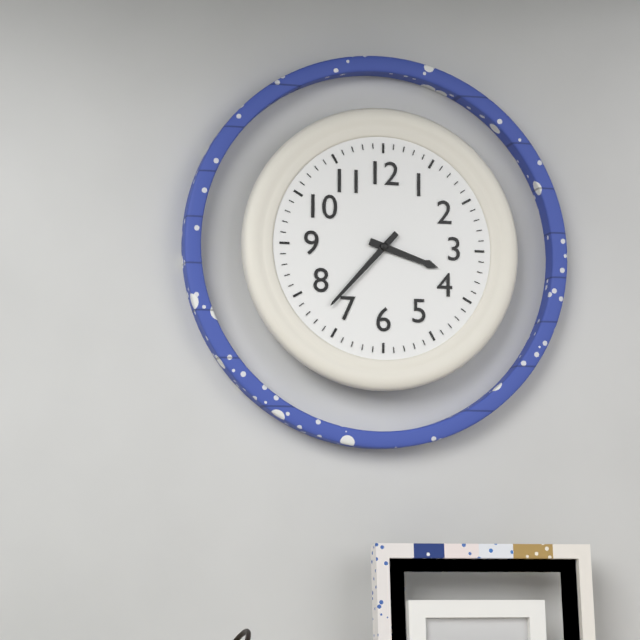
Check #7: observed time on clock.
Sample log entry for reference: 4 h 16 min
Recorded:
3 h 37 min
